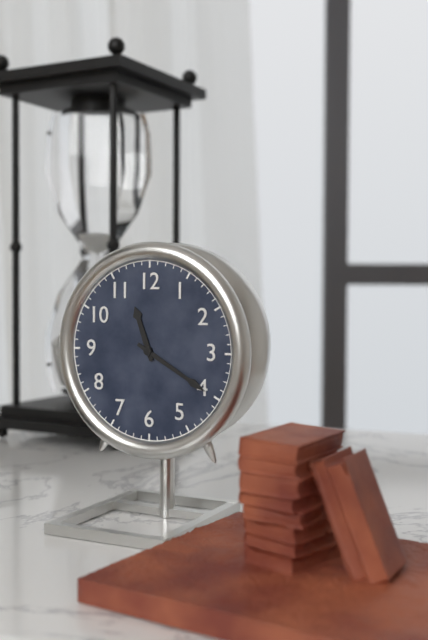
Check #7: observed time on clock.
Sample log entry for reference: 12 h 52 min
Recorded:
11 h 20 min
